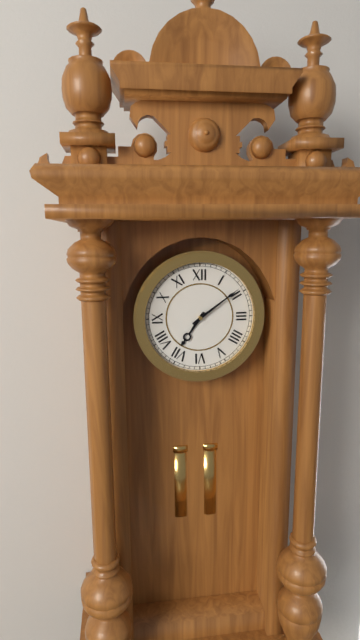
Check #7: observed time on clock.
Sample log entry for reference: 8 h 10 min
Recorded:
7 h 09 min
